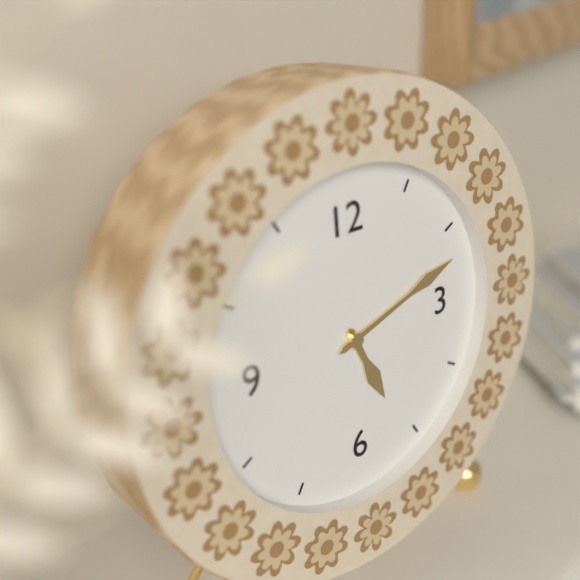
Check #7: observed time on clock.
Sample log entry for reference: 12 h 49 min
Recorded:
5 h 12 min
